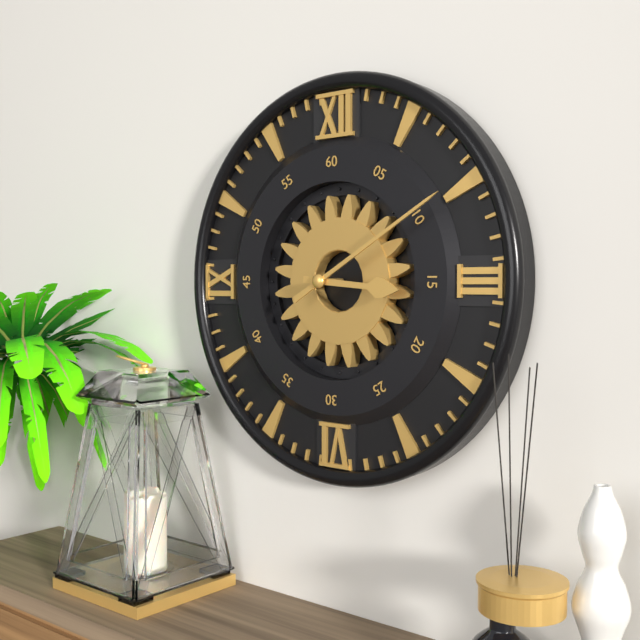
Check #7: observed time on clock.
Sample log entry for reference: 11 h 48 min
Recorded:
3 h 10 min
